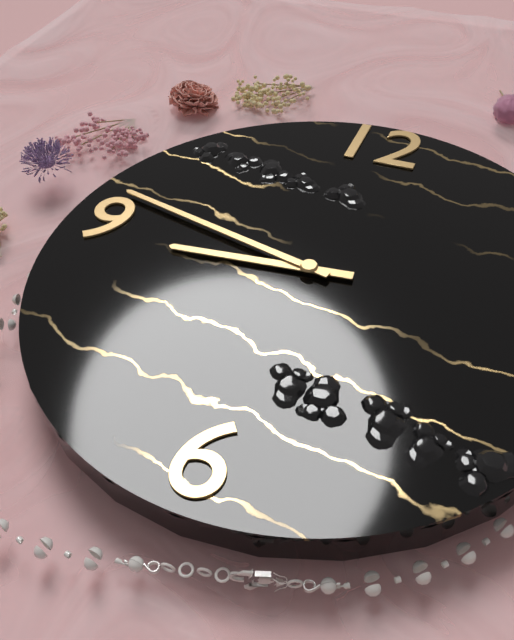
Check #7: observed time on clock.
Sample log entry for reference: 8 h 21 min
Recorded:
8 h 47 min
